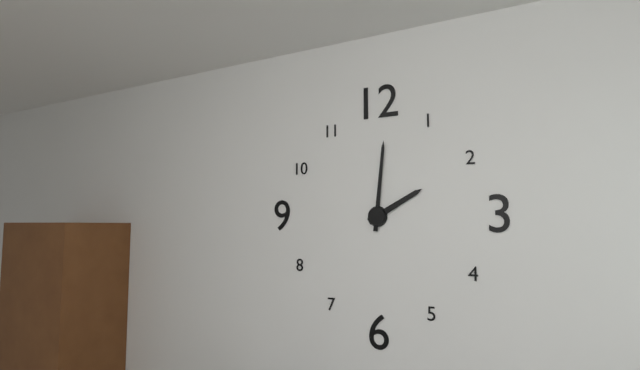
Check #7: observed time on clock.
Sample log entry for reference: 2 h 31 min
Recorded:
2 h 01 min
